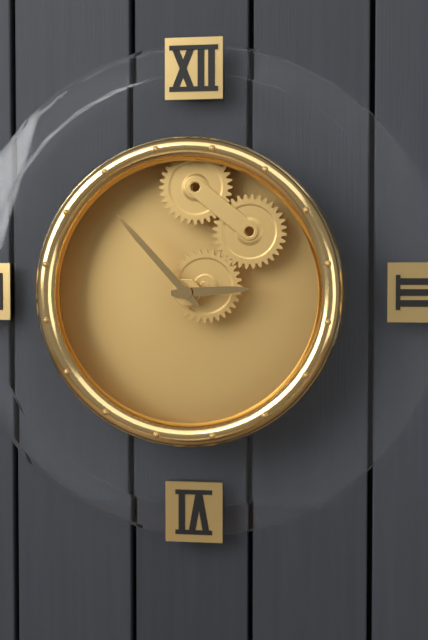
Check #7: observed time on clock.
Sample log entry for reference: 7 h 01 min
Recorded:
2 h 53 min
